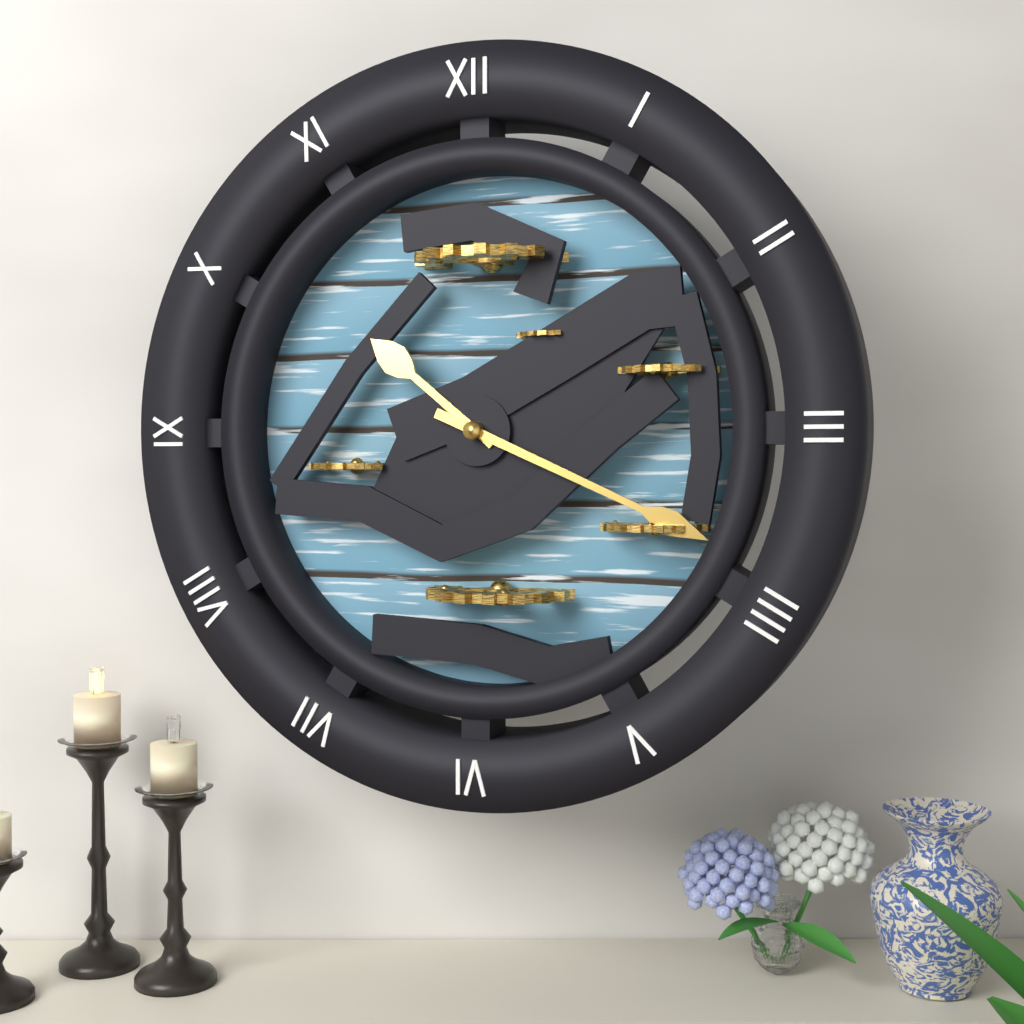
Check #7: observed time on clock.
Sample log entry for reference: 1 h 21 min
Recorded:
10 h 19 min
